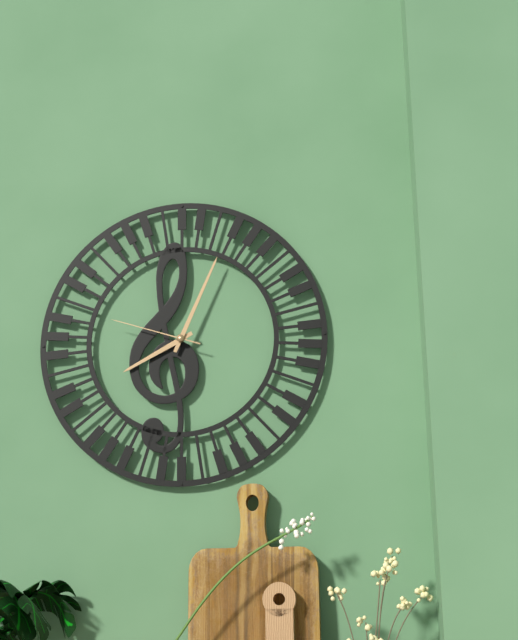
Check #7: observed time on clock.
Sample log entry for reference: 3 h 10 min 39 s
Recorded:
8 h 04 min 48 s
